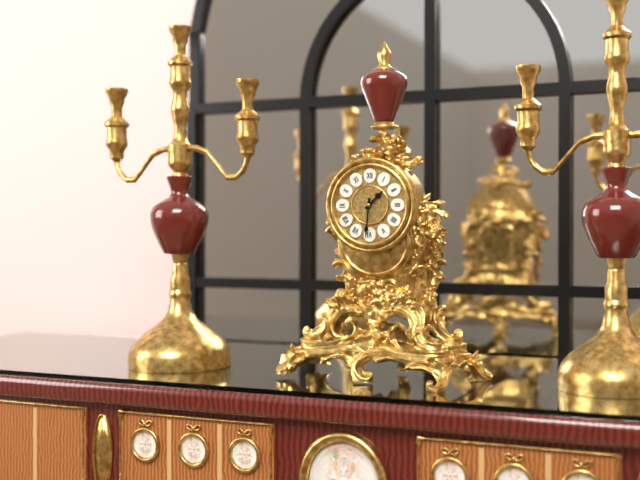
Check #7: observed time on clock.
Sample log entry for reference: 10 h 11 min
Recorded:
1 h 31 min
